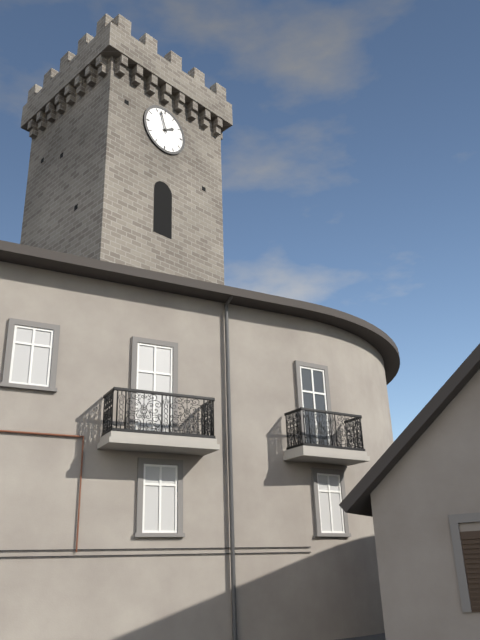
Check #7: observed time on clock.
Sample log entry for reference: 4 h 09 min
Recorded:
1 h 57 min
